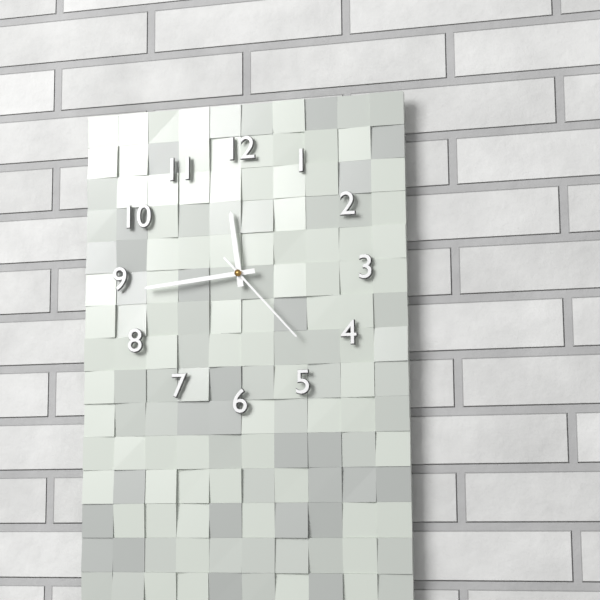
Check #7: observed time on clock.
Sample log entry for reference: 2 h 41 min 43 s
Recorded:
11 h 44 min 23 s
